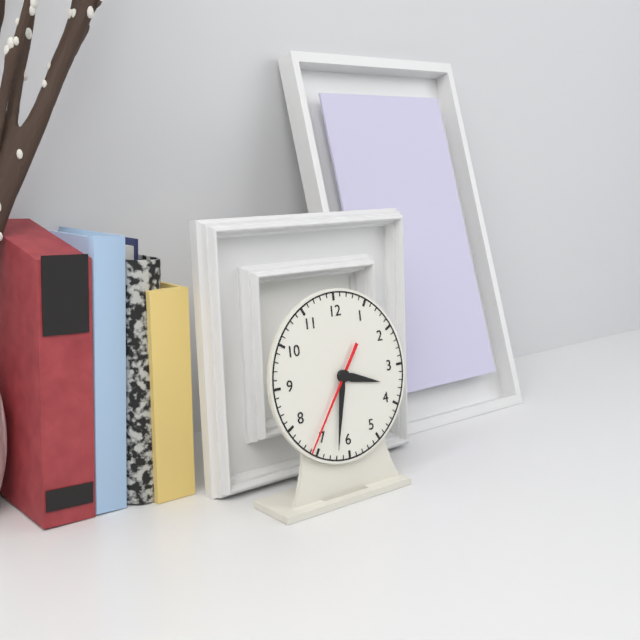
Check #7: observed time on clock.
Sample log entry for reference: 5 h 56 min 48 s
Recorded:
3 h 32 min 36 s
